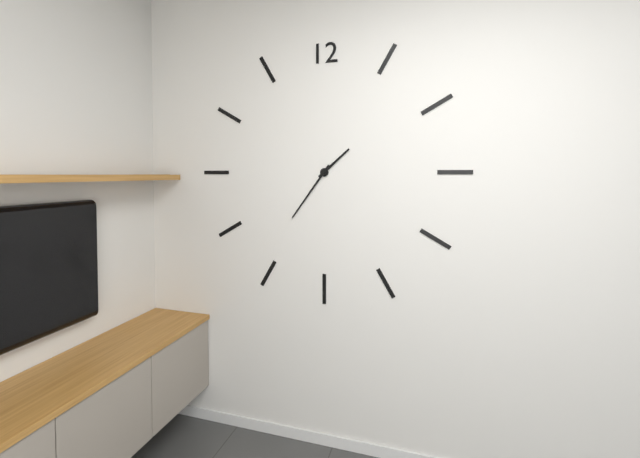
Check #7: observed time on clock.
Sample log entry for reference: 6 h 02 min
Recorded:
1 h 36 min
